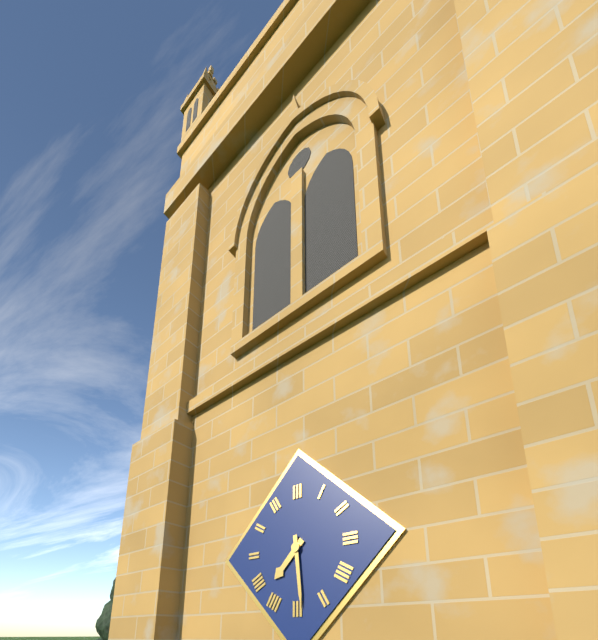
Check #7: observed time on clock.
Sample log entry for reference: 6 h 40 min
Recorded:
7 h 29 min
